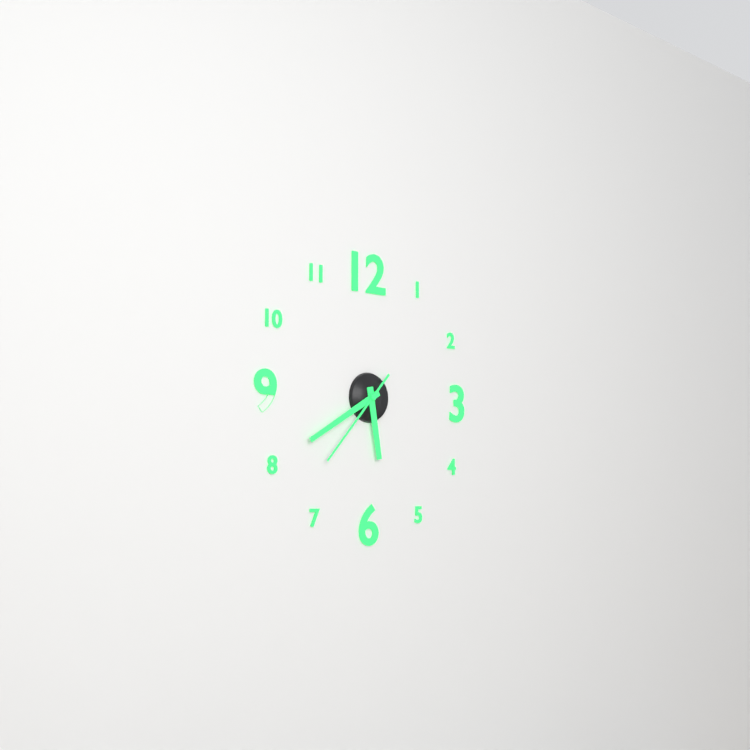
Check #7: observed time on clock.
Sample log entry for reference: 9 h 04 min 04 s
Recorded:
5 h 40 min 37 s
